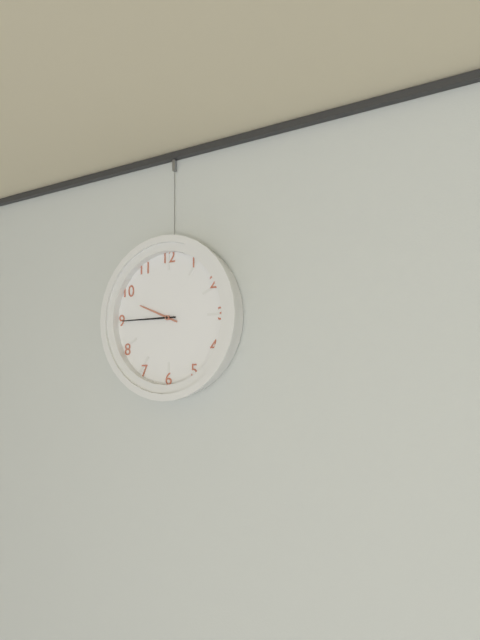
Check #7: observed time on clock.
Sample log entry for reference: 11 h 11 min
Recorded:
9 h 45 min
